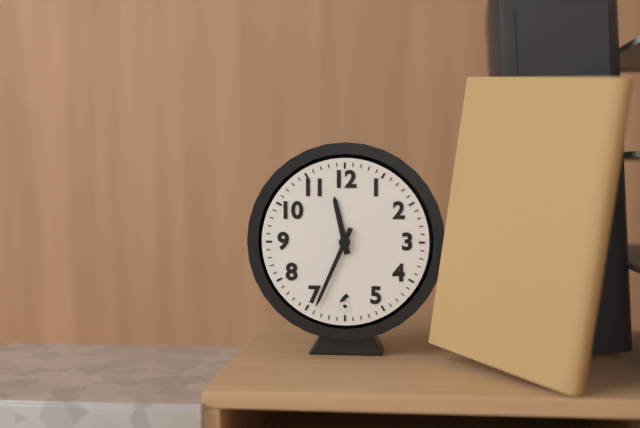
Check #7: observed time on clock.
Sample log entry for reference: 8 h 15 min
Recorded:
11 h 34 min
